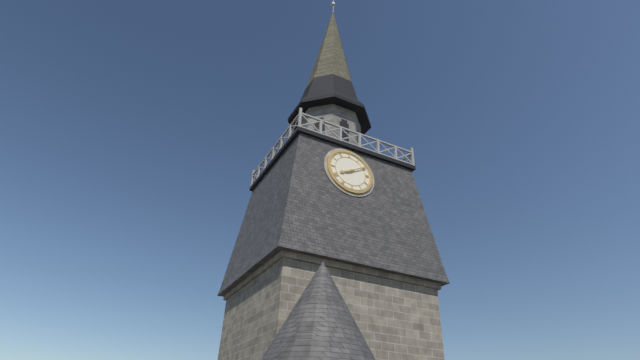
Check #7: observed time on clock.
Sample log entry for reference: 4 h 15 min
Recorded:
8 h 10 min
